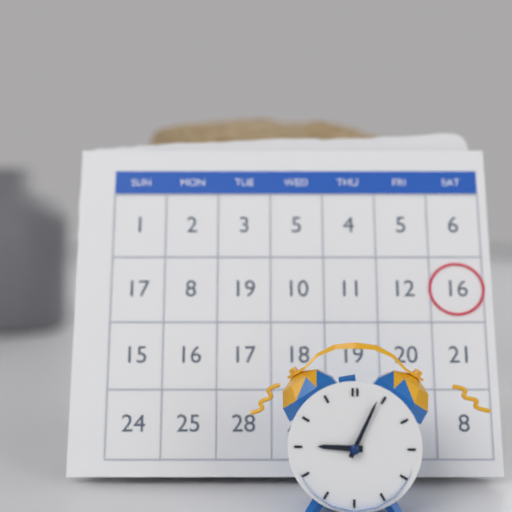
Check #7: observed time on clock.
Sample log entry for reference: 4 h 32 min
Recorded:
9 h 04 min
